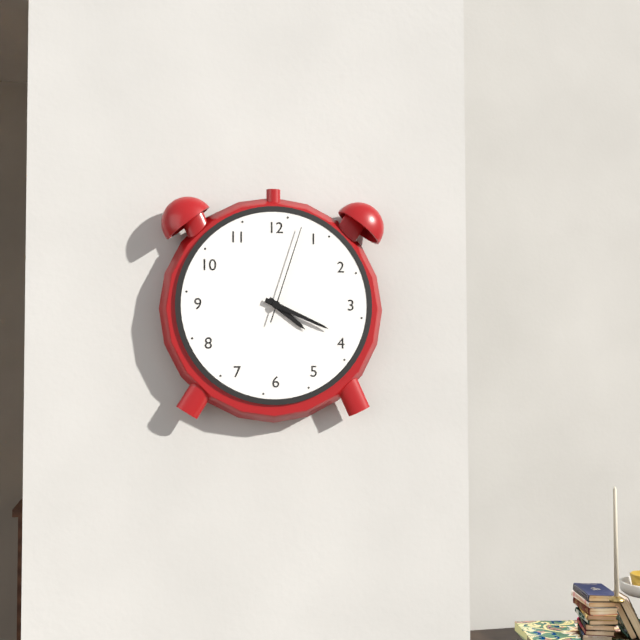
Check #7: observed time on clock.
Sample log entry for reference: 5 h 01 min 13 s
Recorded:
4 h 19 min 03 s
